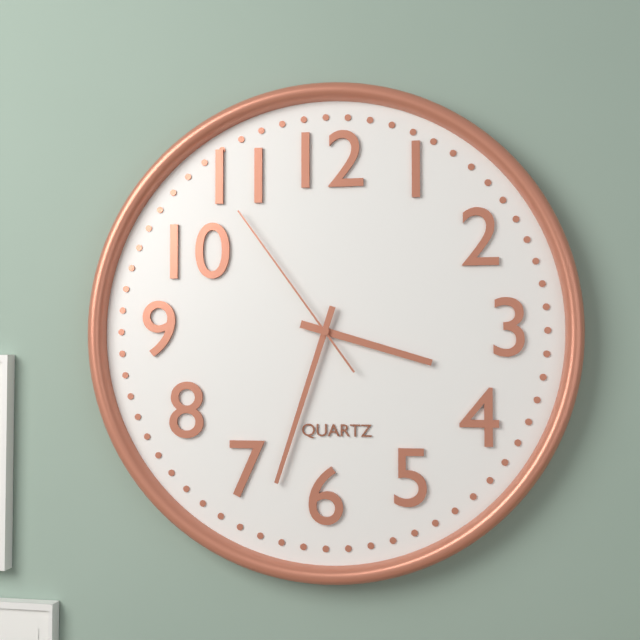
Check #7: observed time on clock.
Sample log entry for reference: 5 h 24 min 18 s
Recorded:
3 h 33 min 54 s
